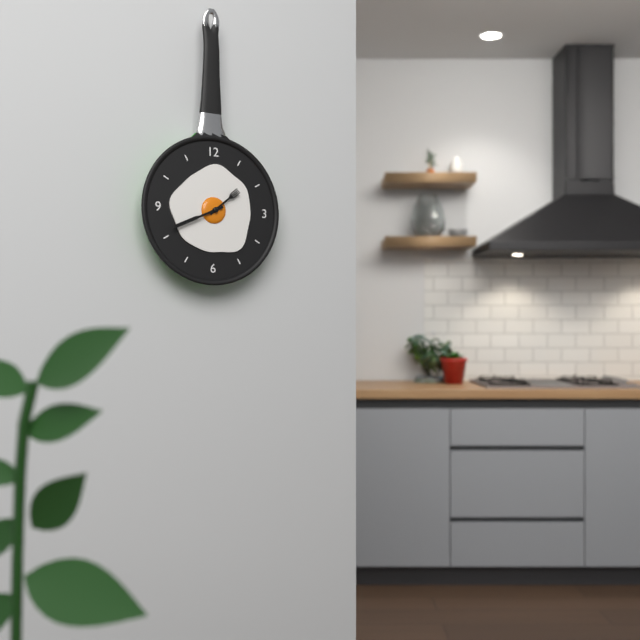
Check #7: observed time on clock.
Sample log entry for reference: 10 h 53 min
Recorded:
1 h 41 min
